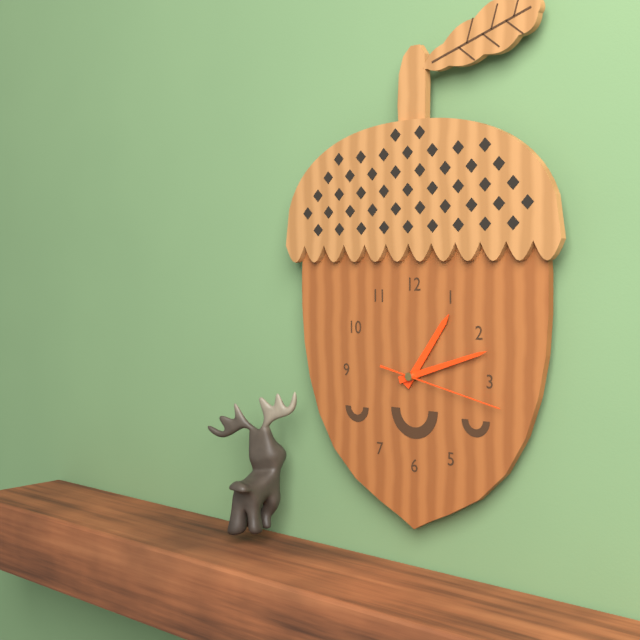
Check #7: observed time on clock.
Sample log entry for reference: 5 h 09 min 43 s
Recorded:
1 h 12 min 17 s
